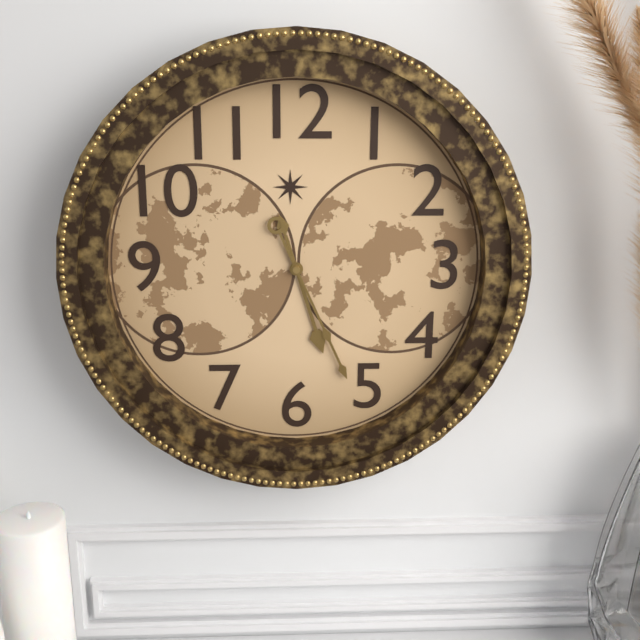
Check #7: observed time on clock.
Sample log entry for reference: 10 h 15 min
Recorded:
5 h 26 min
